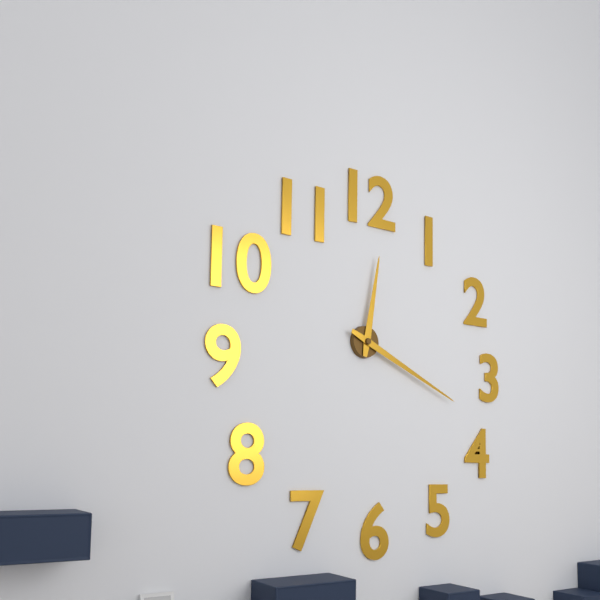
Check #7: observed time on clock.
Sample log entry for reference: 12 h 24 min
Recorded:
12 h 19 min
